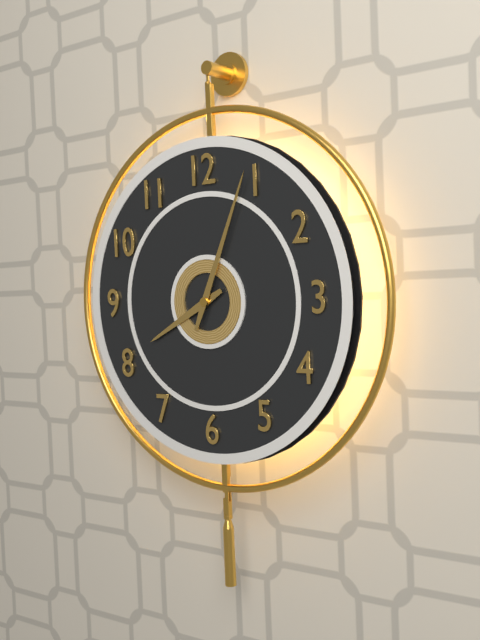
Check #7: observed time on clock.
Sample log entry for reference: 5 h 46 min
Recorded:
8 h 04 min
